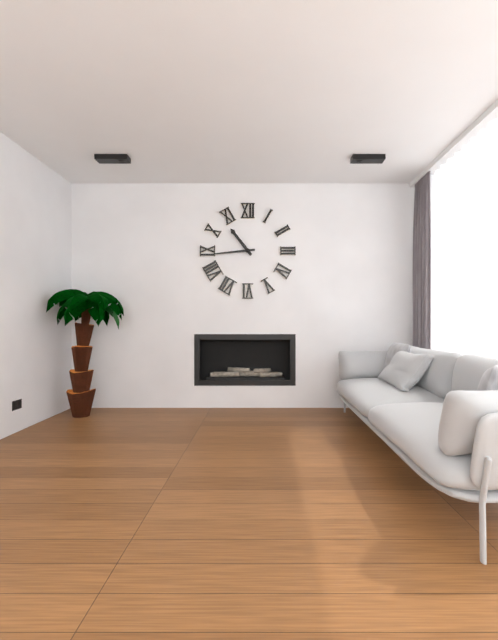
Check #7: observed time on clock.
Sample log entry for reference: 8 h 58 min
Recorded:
10 h 44 min
